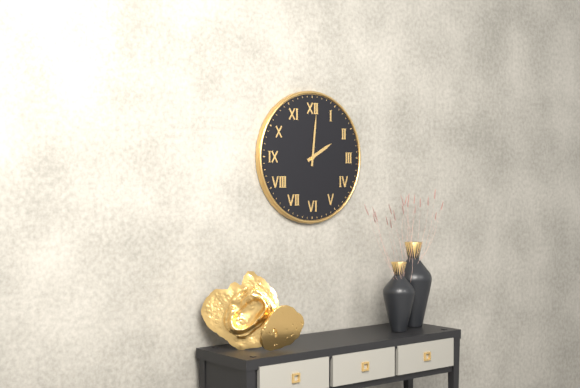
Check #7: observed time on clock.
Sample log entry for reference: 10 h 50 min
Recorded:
2 h 01 min
